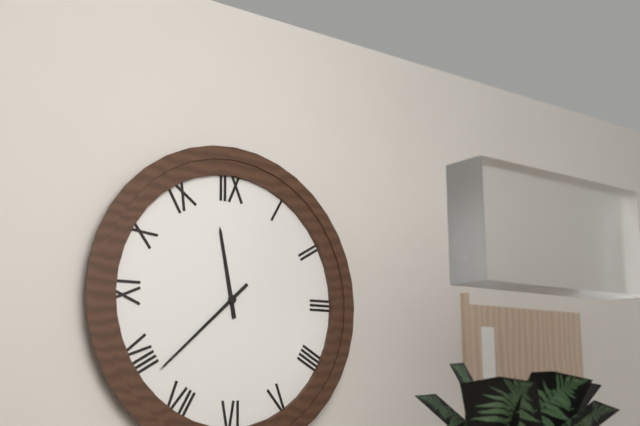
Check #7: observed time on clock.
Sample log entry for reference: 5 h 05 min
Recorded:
11 h 38 min
